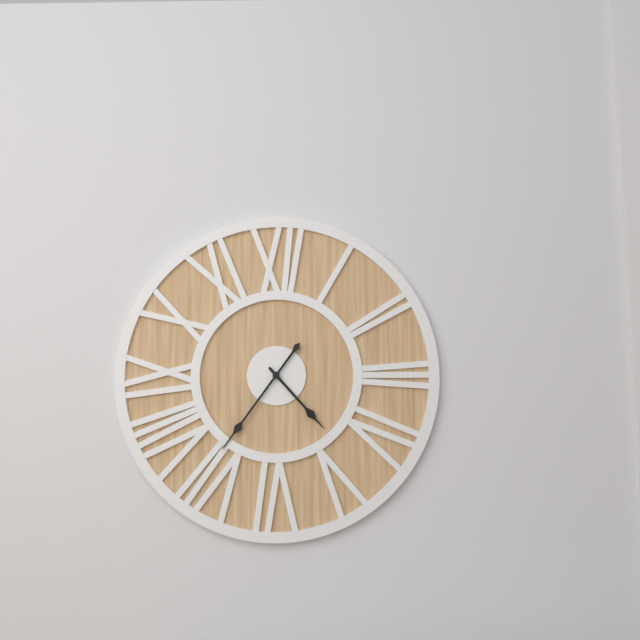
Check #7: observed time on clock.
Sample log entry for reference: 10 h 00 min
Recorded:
4 h 36 min
